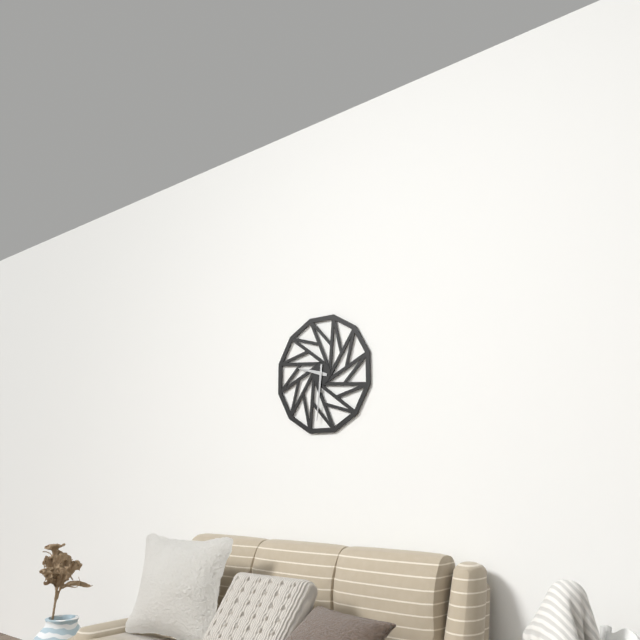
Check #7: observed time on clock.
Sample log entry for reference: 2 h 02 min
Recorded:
9 h 31 min
